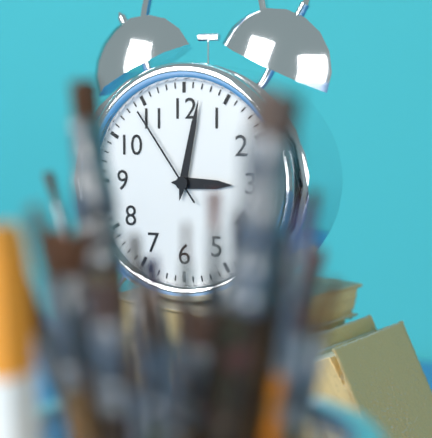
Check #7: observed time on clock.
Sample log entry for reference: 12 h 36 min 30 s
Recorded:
3 h 02 min 54 s
